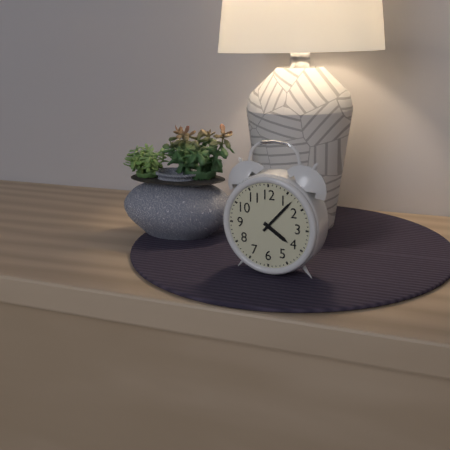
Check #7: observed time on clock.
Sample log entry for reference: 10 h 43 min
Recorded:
4 h 07 min
